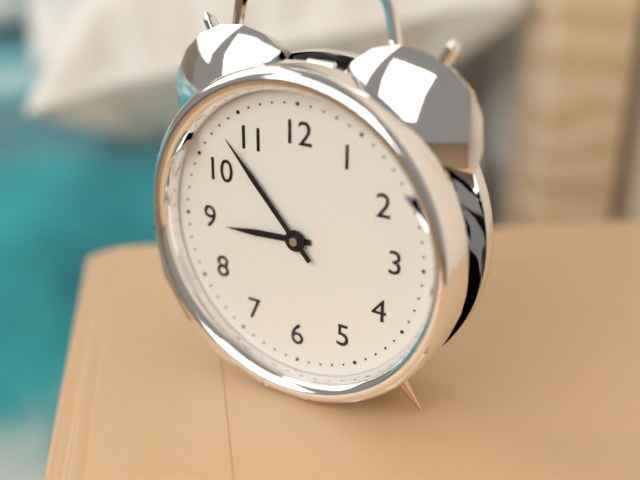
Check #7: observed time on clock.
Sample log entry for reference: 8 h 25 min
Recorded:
8 h 53 min
